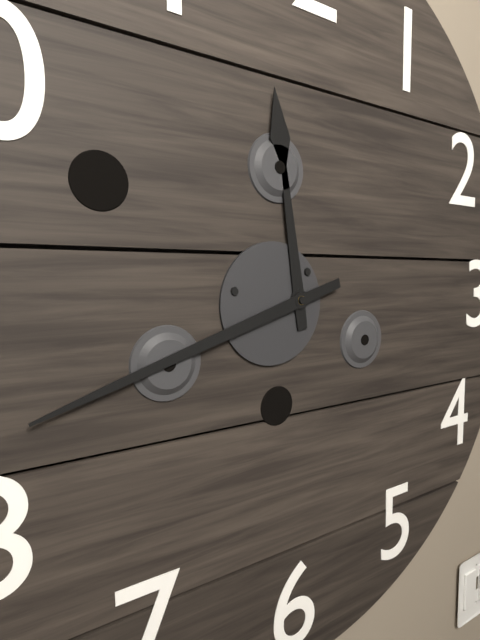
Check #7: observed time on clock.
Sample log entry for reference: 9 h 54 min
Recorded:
11 h 42 min
